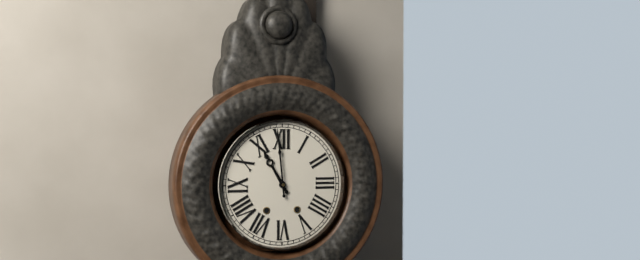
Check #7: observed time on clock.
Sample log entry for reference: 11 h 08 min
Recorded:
10 h 59 min
